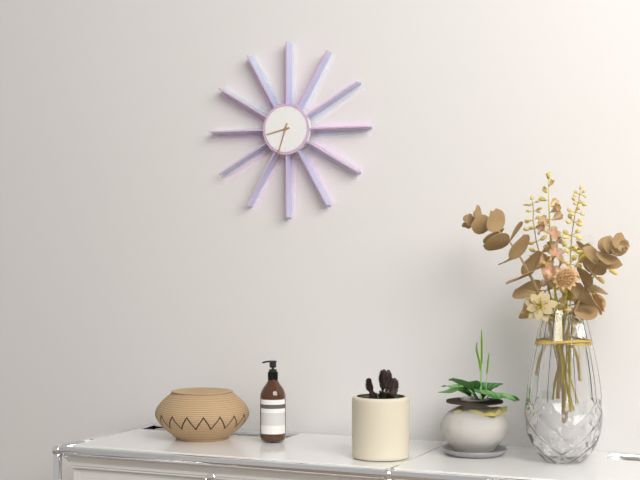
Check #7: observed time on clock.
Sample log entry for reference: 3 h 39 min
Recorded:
8 h 33 min
